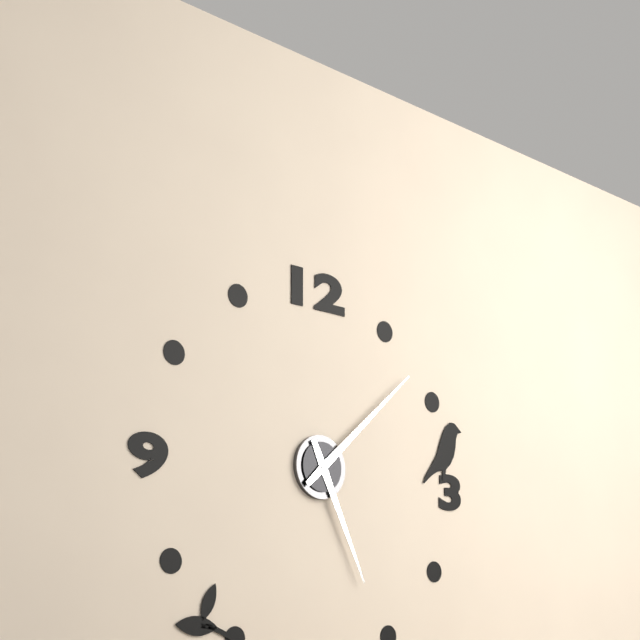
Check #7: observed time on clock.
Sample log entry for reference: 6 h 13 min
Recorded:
5 h 08 min
